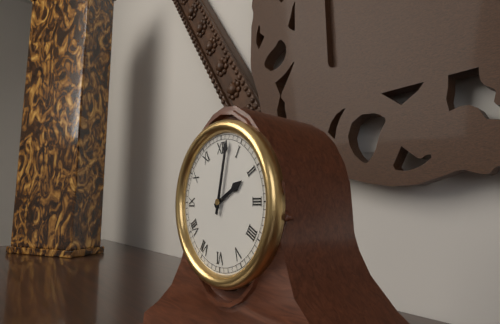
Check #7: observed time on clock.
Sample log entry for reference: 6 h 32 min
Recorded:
2 h 02 min
